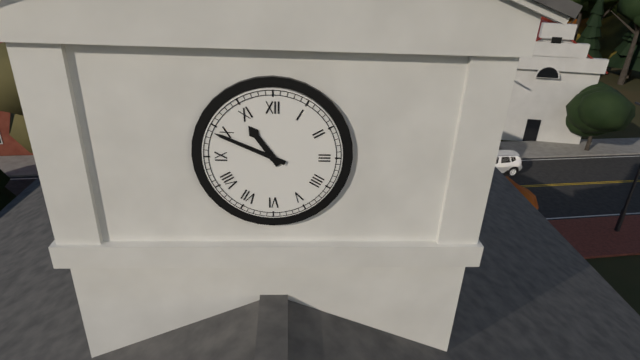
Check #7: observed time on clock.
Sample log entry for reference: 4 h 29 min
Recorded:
10 h 49 min
